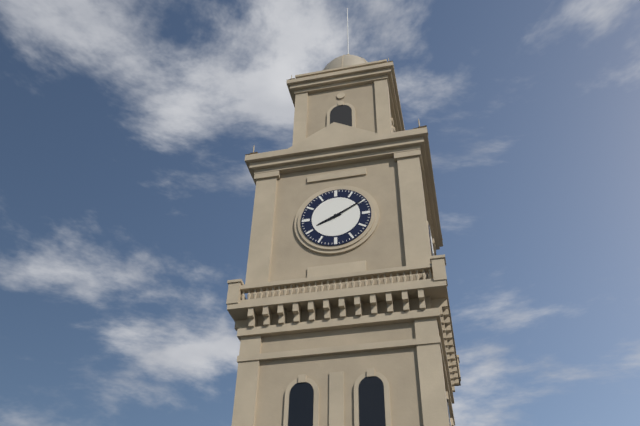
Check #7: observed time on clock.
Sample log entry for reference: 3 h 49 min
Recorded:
8 h 10 min
